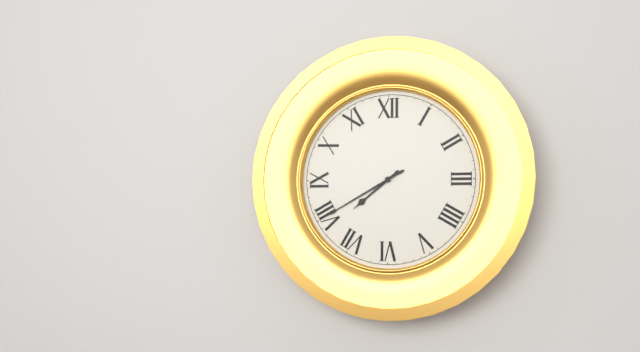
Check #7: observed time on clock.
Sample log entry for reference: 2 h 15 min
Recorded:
7 h 40 min
